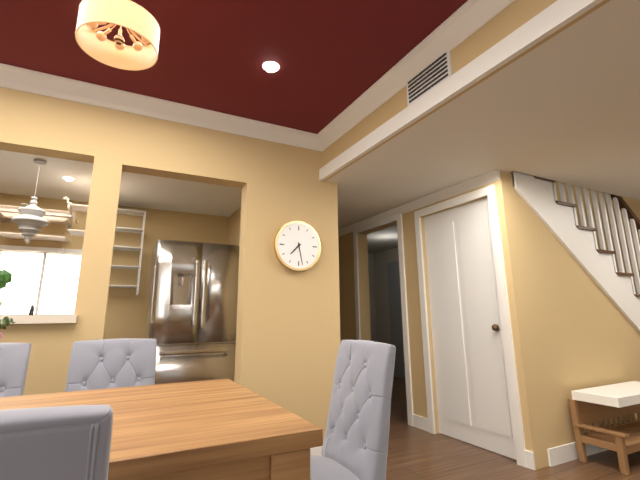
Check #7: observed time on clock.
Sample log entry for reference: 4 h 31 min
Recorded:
7 h 28 min
